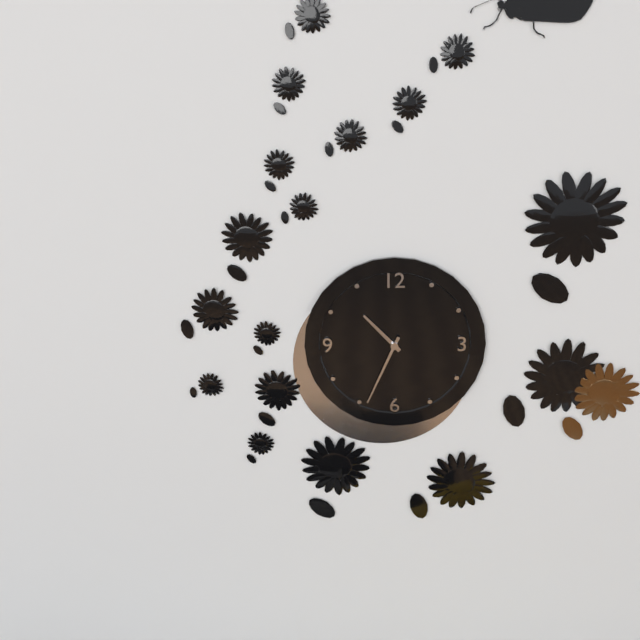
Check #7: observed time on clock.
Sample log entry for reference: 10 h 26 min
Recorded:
10 h 34 min
